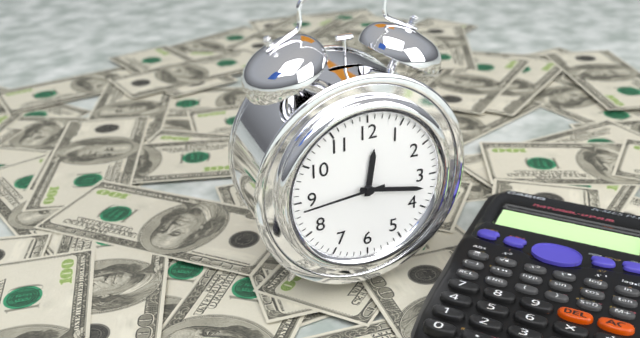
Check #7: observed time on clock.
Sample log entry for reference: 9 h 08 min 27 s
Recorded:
12 h 17 min 44 s
